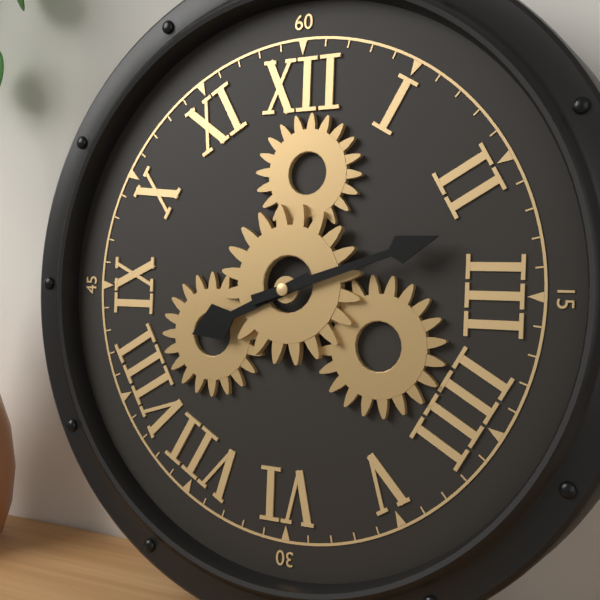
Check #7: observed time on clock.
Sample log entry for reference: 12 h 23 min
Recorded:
8 h 12 min
